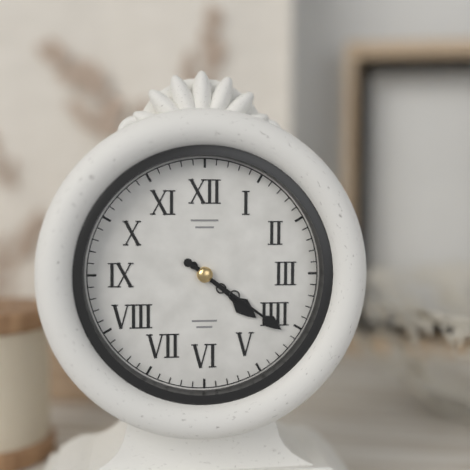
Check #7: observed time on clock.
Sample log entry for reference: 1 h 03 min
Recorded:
4 h 21 min
